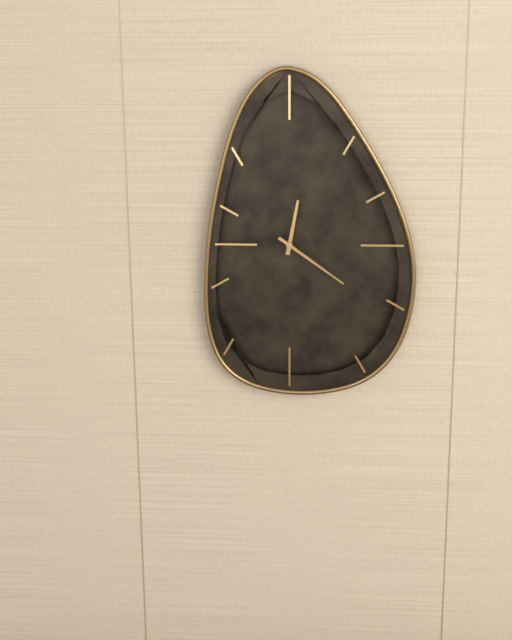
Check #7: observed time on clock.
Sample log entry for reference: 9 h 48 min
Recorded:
12 h 21 min
